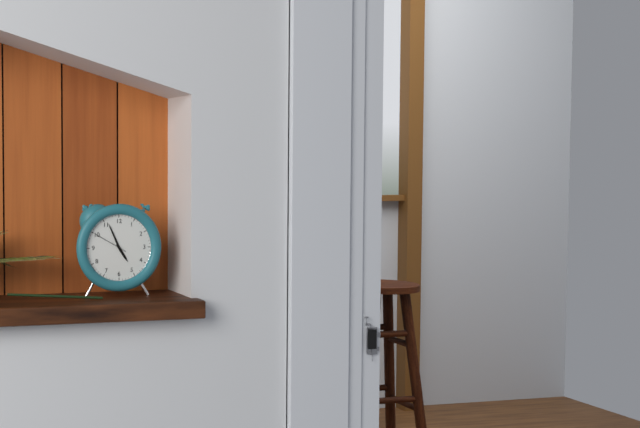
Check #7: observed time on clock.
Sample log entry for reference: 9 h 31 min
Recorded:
4 h 56 min
